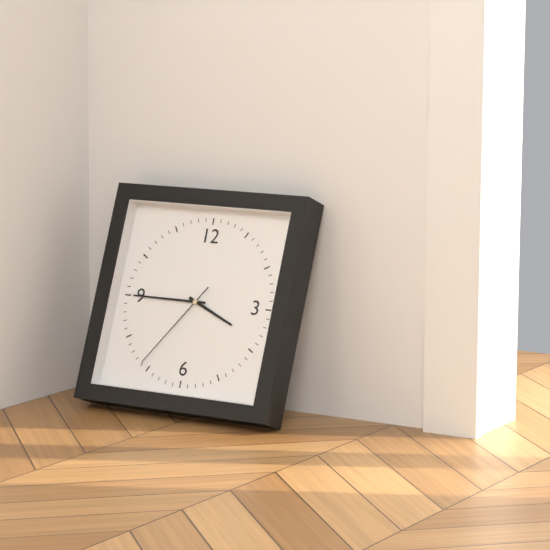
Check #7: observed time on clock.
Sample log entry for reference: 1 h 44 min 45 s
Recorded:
3 h 45 min 36 s
